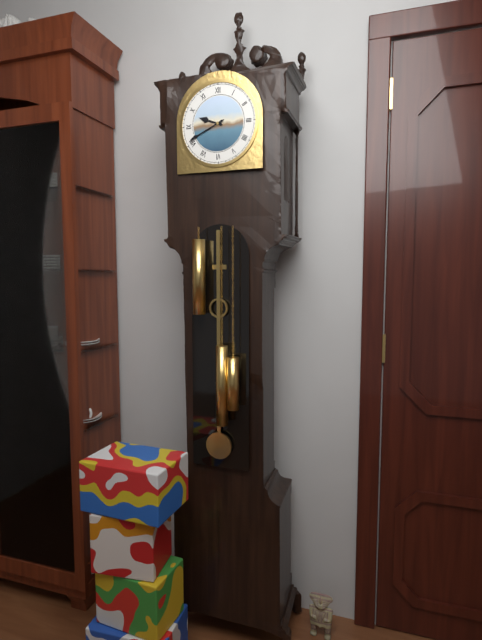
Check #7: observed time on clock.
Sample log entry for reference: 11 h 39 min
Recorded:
9 h 41 min
